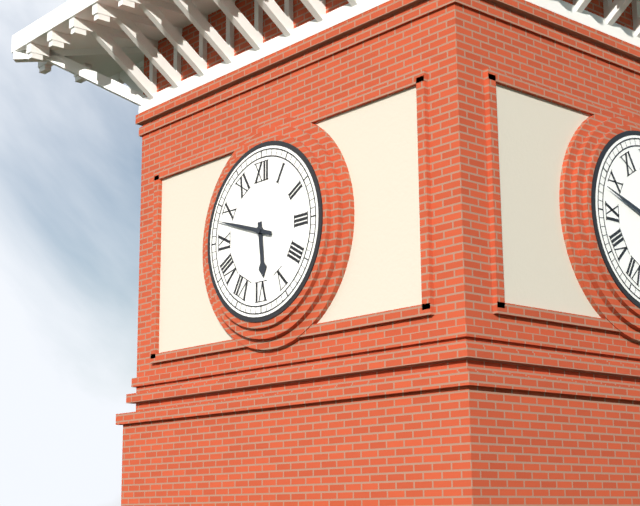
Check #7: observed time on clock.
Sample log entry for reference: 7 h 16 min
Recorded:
5 h 48 min
